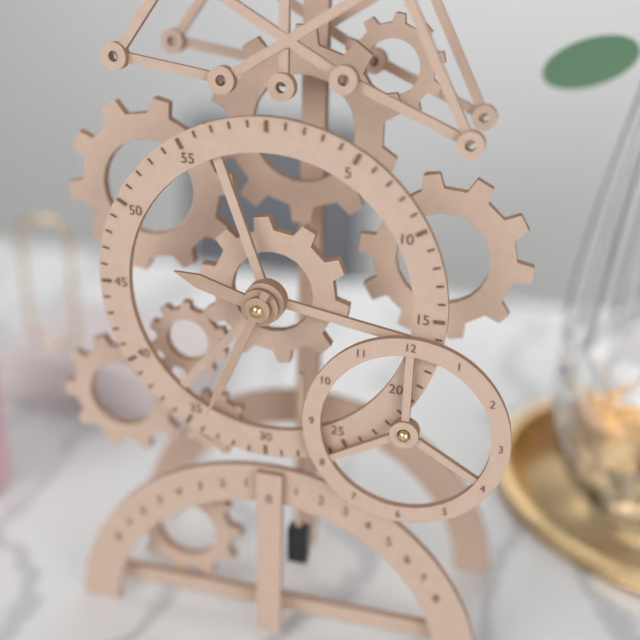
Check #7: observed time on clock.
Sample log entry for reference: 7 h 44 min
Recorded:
9 h 34 min
